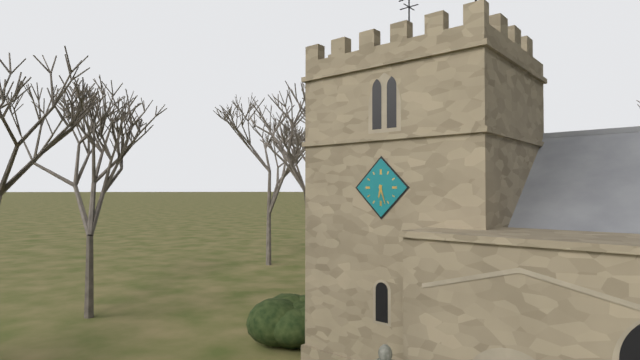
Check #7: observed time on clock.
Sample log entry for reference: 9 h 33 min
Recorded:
6 h 27 min
